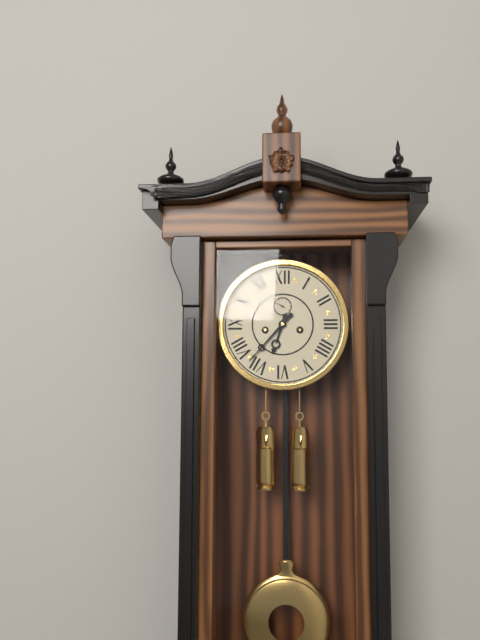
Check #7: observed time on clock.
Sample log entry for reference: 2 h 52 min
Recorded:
6 h 37 min
